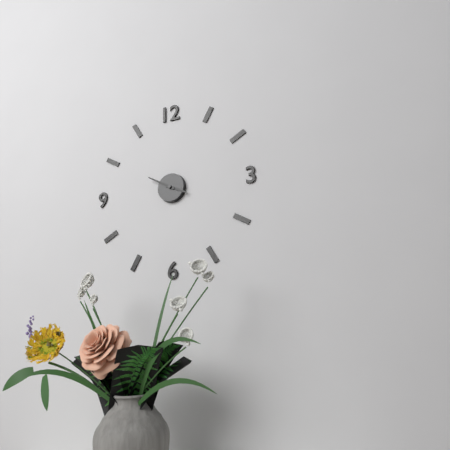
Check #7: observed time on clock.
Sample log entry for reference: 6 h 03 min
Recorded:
3 h 50 min
